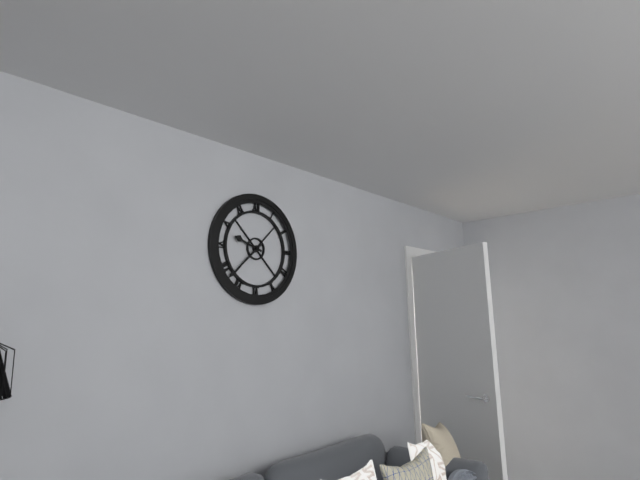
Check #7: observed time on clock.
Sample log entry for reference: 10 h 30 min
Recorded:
9 h 38 min
